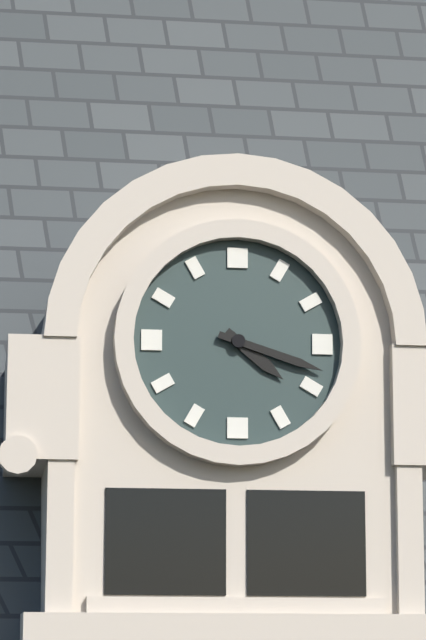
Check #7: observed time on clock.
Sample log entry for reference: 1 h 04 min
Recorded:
4 h 18 min
